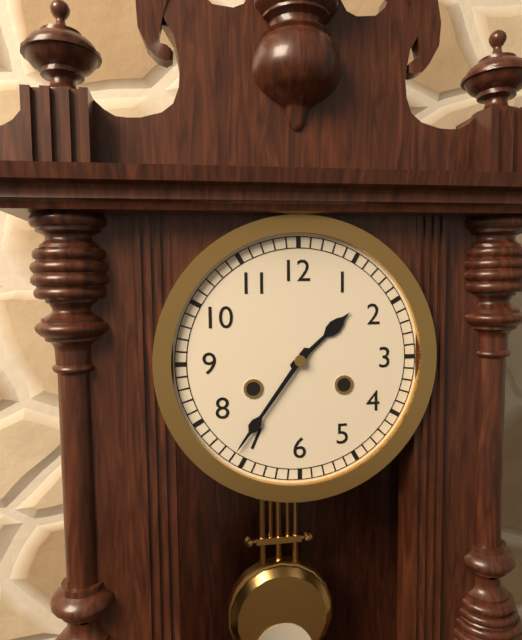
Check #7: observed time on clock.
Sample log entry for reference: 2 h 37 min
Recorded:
1 h 36 min
